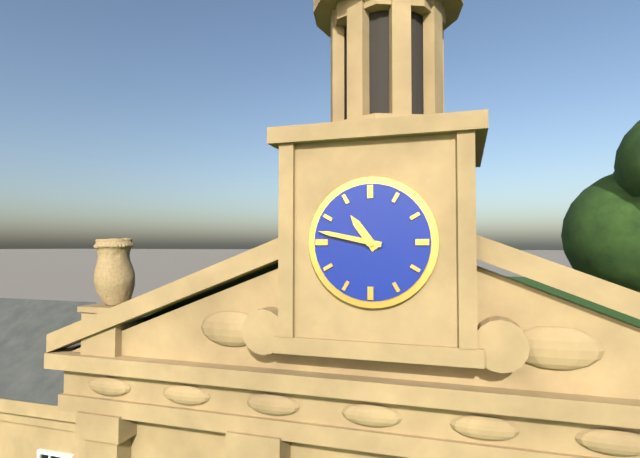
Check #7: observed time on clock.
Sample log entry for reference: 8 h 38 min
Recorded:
10 h 47 min
